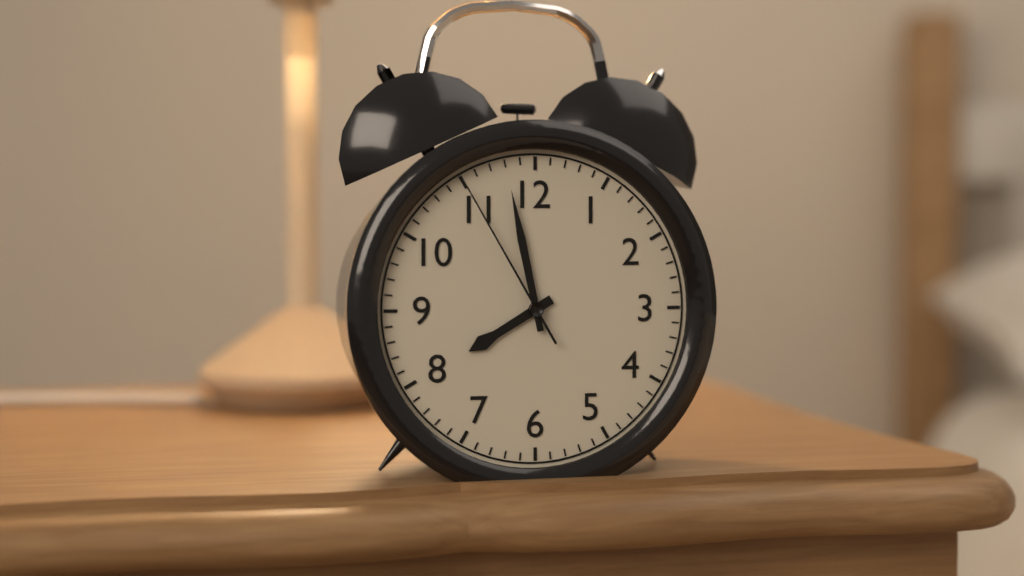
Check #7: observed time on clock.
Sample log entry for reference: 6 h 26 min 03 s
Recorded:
7 h 58 min 55 s
